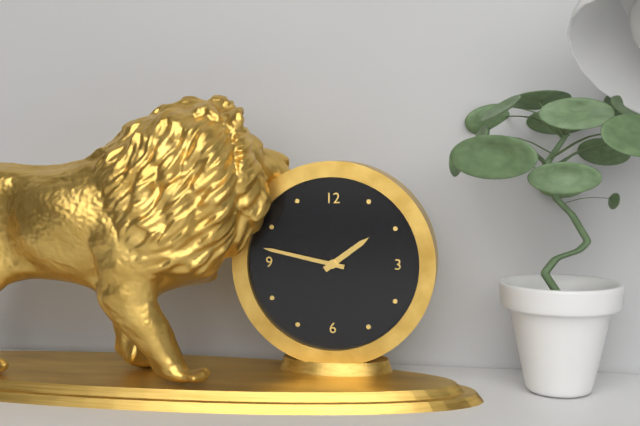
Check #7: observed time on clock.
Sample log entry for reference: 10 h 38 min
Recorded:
1 h 47 min
